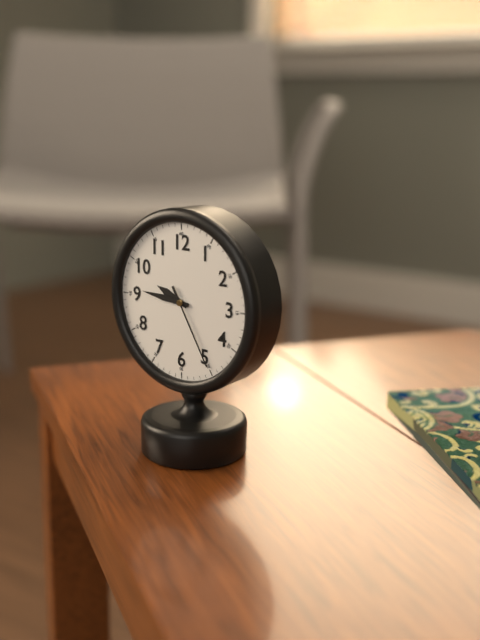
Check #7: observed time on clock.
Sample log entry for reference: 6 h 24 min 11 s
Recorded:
9 h 46 min 25 s
